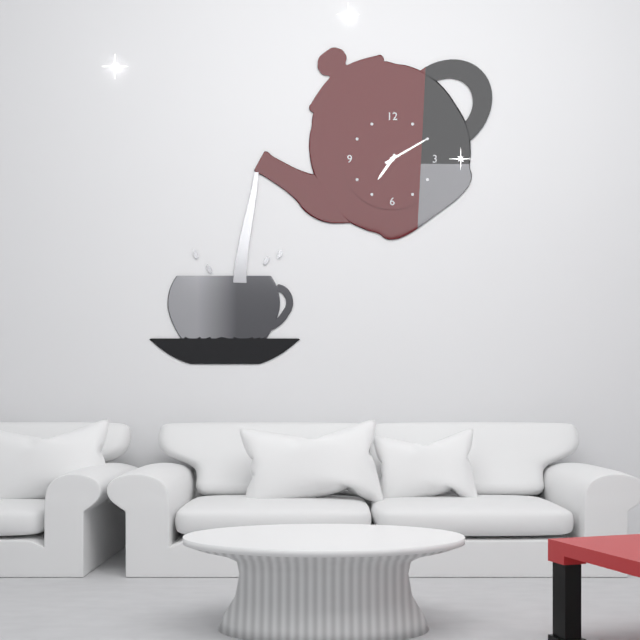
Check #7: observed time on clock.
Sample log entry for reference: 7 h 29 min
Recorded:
7 h 10 min
